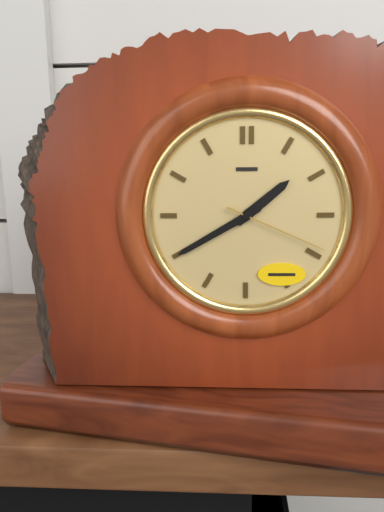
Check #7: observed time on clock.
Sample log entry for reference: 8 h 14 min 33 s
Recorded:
1 h 40 min 19 s
